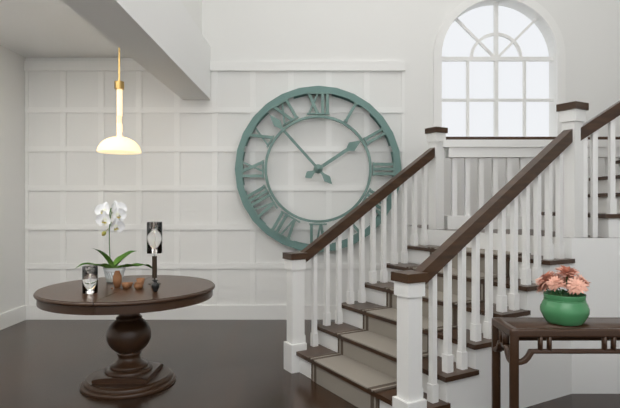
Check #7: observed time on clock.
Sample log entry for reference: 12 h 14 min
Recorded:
1 h 53 min
